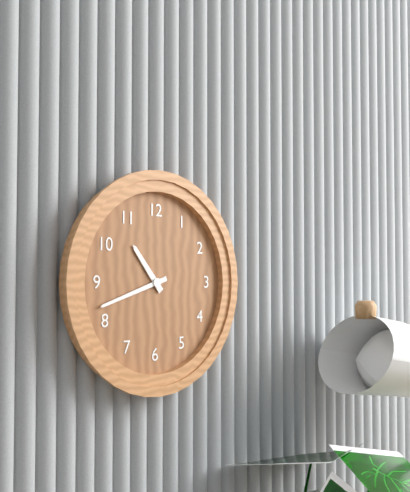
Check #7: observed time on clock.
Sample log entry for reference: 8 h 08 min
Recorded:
10 h 42 min
